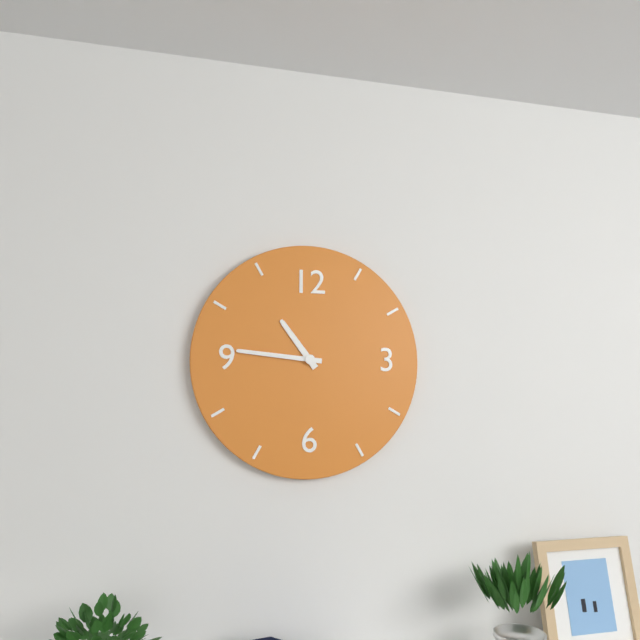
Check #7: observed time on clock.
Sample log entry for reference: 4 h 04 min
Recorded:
10 h 46 min
